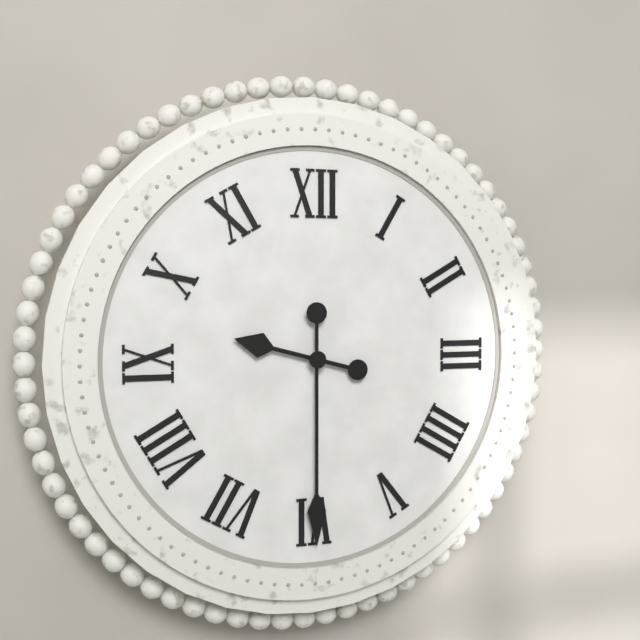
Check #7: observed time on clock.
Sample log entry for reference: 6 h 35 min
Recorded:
9 h 30 min
